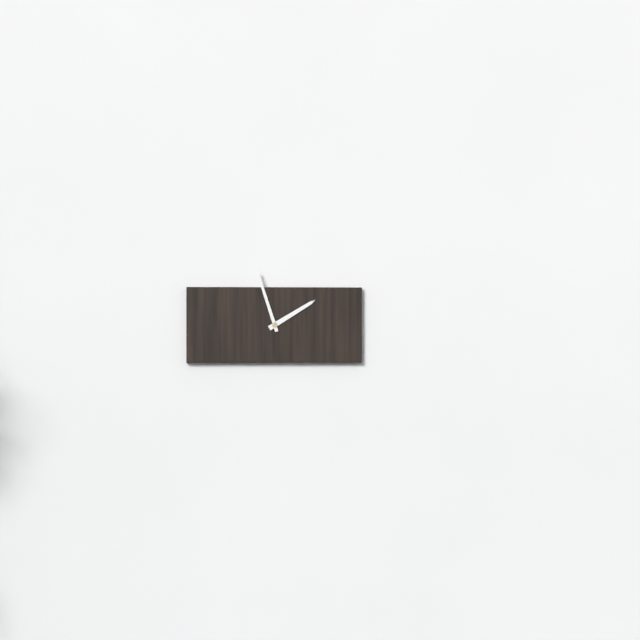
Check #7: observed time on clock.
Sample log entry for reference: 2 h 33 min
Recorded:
1 h 57 min
